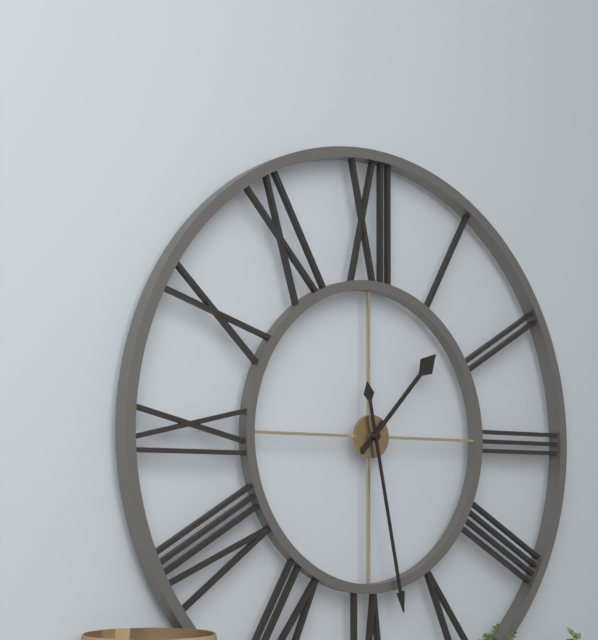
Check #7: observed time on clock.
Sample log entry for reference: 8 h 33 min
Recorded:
1 h 28 min
